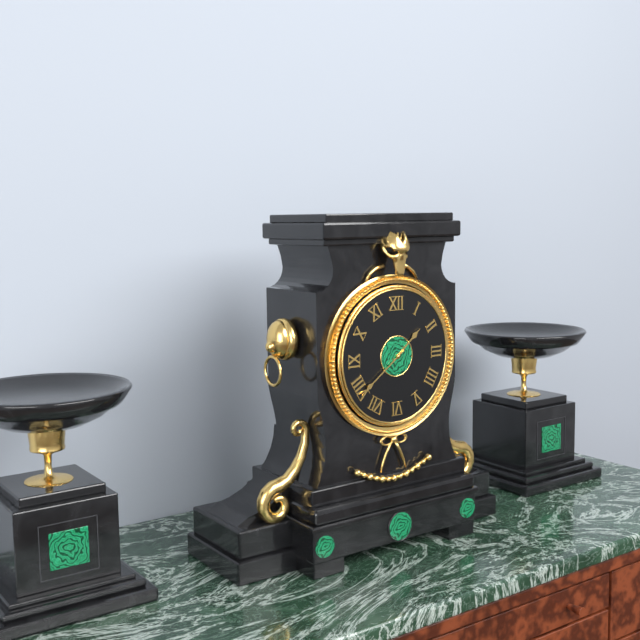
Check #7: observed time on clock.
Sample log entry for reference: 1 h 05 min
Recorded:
1 h 39 min
